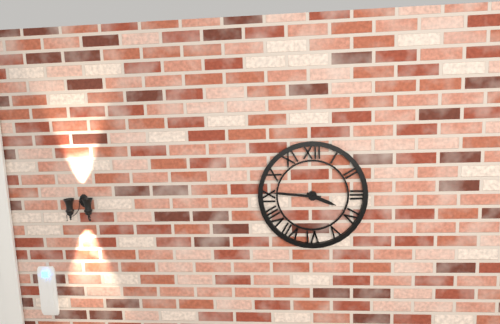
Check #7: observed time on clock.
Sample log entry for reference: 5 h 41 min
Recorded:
3 h 46 min
